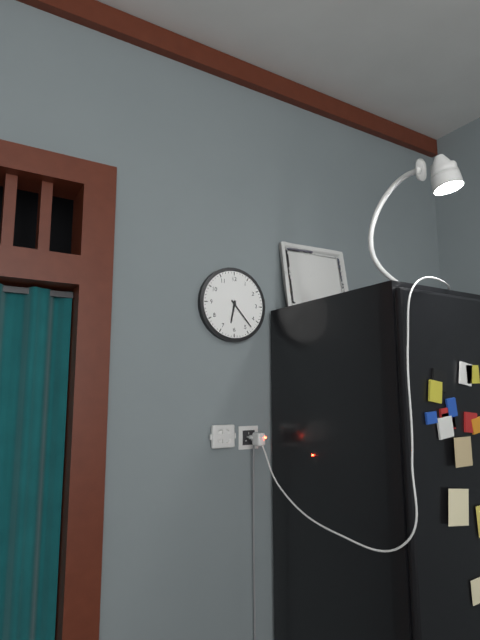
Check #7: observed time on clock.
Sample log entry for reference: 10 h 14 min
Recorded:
6 h 23 min
